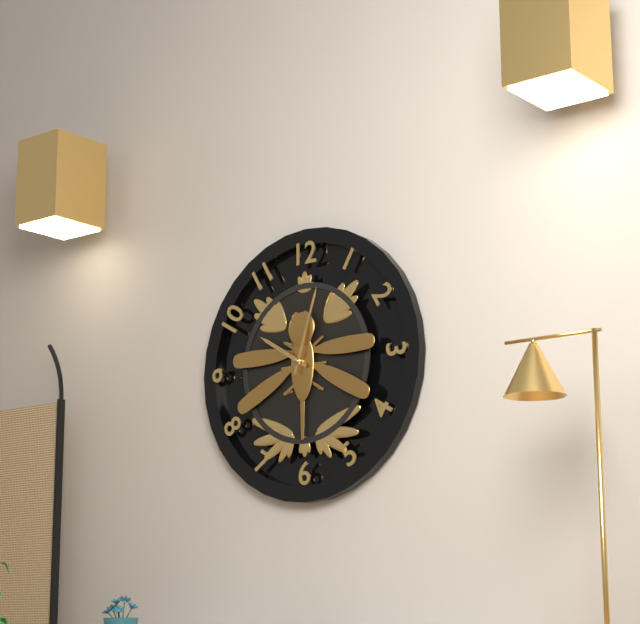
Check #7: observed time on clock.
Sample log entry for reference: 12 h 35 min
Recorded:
10 h 03 min
